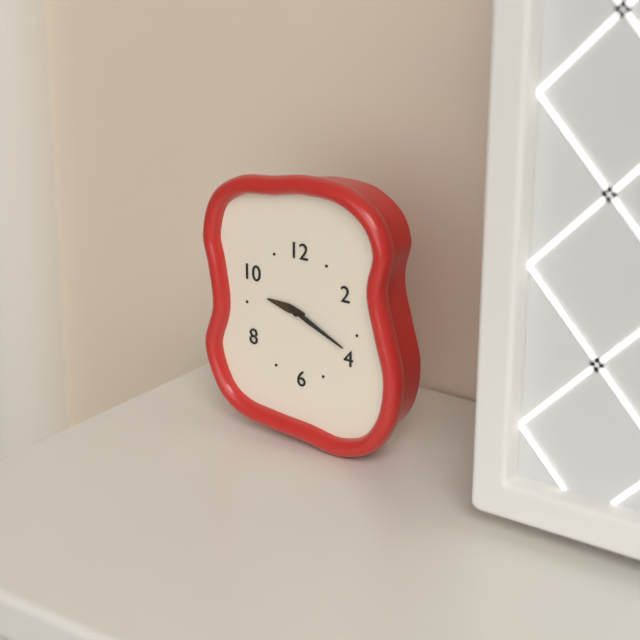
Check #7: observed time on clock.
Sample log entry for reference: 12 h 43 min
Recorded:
9 h 19 min
